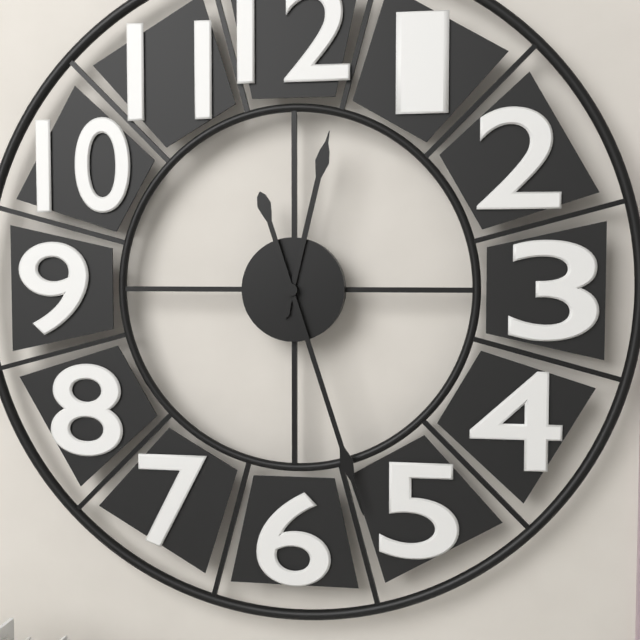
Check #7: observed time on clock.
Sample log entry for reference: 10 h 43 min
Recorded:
12 h 27 min
